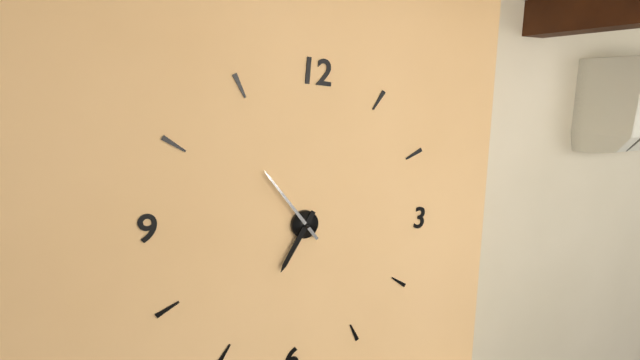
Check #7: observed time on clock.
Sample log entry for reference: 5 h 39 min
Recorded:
6 h 53 min
